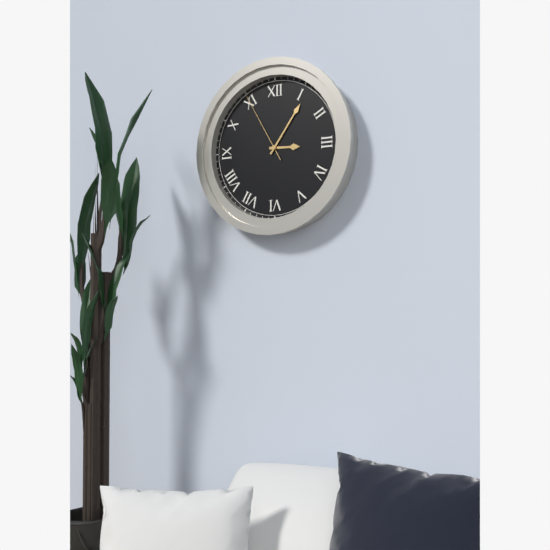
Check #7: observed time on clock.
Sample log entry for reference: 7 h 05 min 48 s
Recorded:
3 h 06 min 55 s
